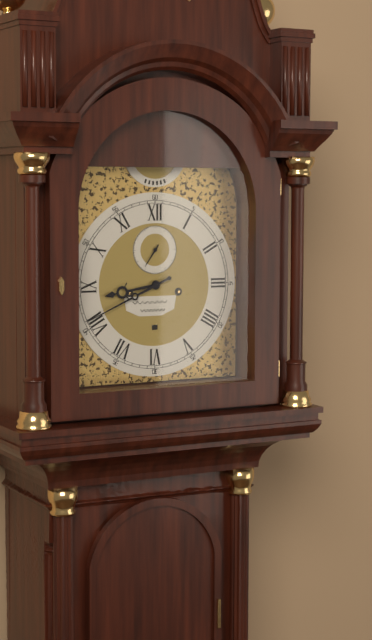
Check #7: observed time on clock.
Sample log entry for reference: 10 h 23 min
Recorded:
8 h 41 min
